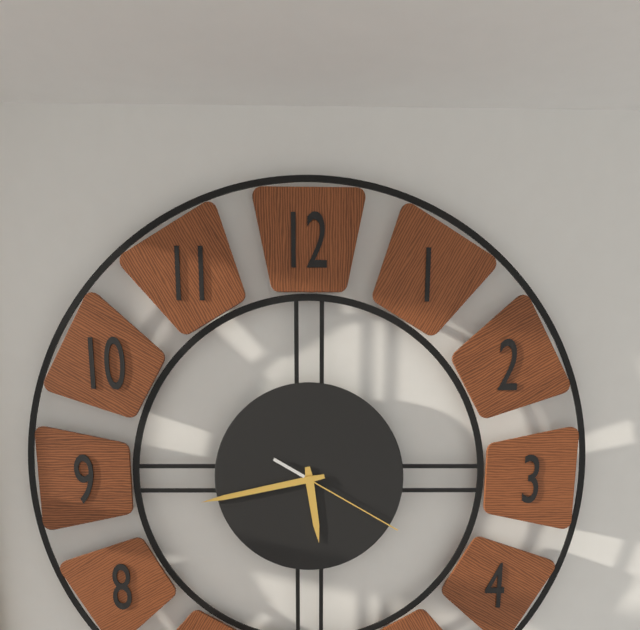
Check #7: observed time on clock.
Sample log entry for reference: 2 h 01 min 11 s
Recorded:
5 h 43 min 20 s
